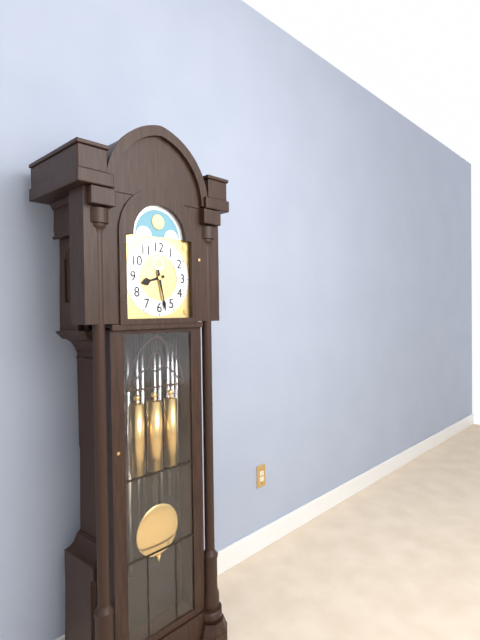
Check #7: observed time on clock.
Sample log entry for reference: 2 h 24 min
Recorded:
8 h 28 min
